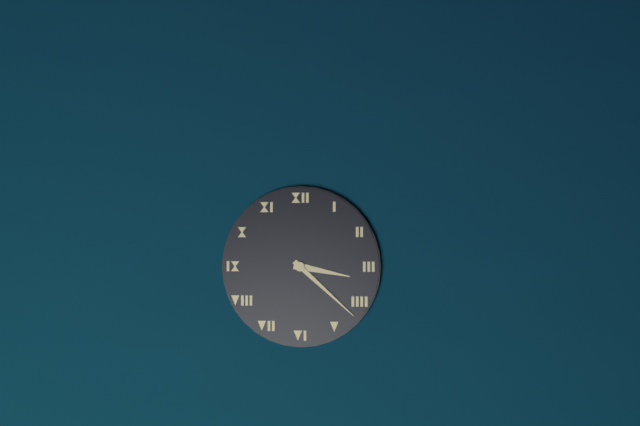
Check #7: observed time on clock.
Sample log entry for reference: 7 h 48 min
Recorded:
3 h 22 min
